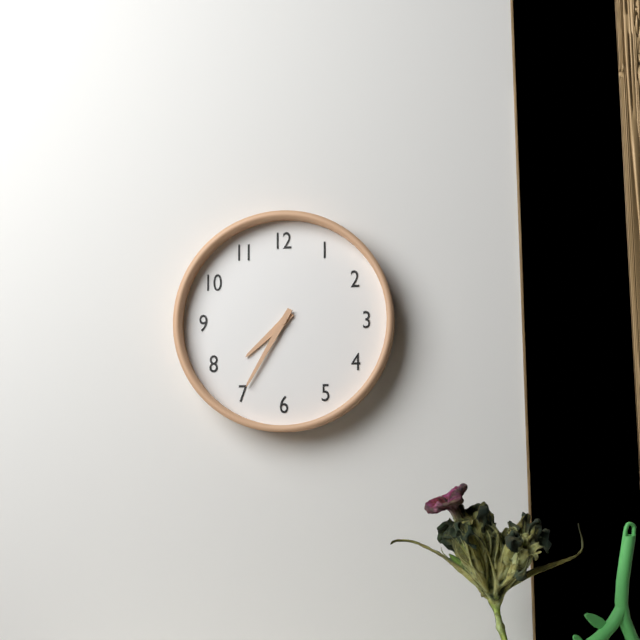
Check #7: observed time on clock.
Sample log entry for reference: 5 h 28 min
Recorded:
7 h 35 min
